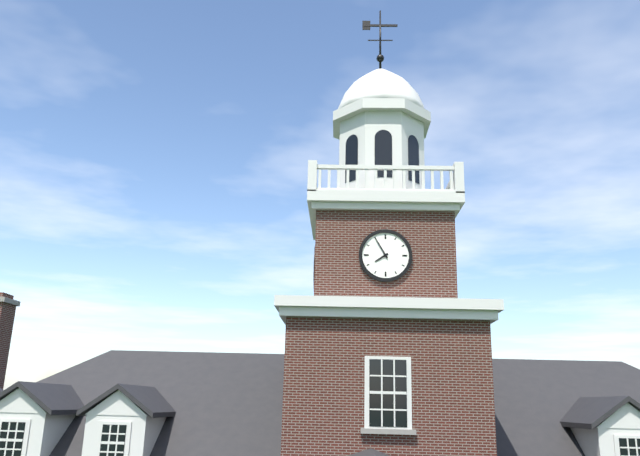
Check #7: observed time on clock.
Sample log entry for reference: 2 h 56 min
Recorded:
7 h 55 min
